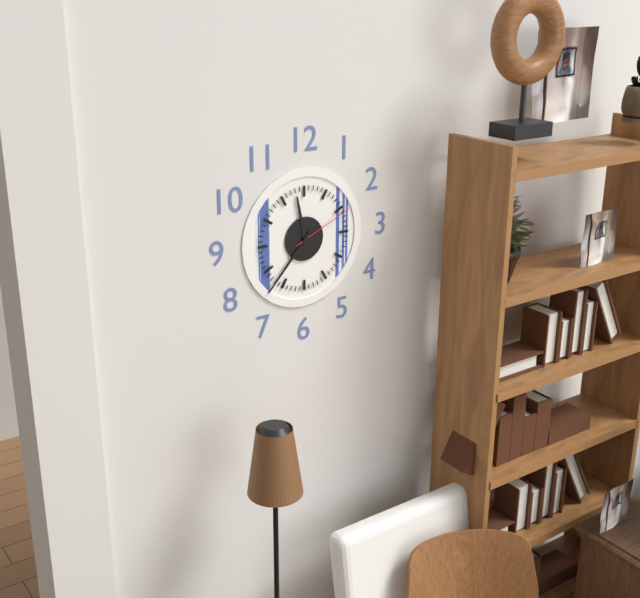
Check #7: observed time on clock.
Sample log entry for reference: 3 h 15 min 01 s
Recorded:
11 h 37 min 11 s
